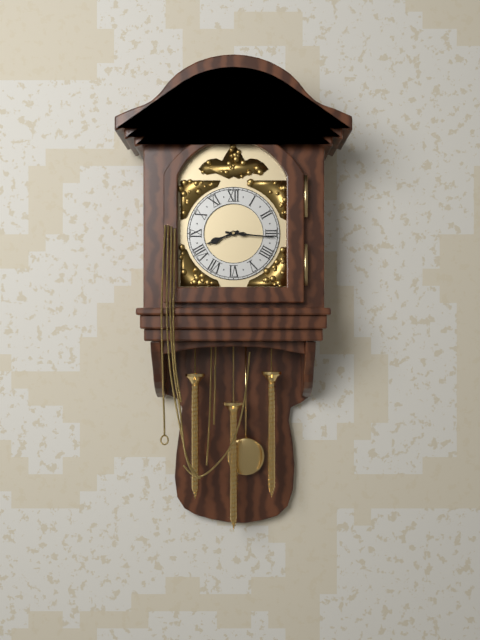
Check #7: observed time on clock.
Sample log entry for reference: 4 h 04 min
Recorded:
8 h 16 min
